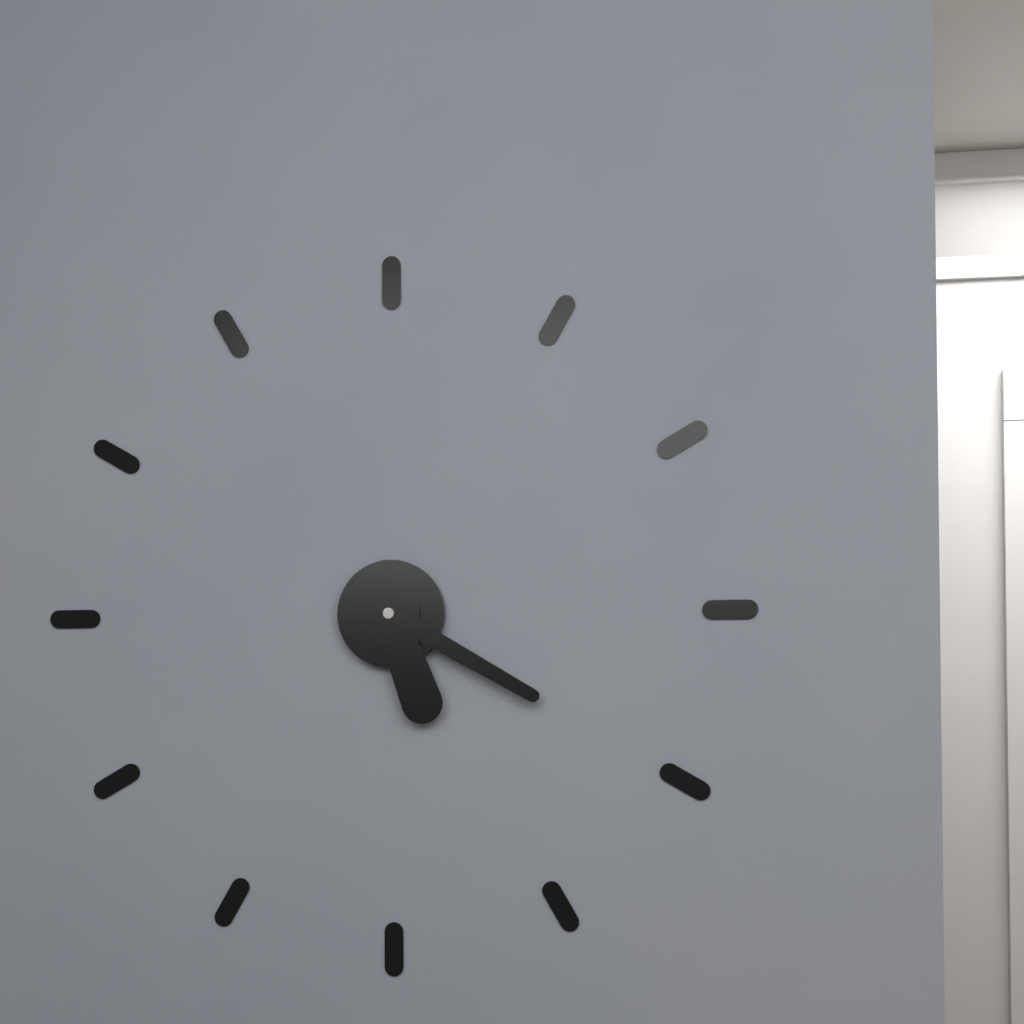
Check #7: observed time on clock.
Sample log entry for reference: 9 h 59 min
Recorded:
5 h 20 min
